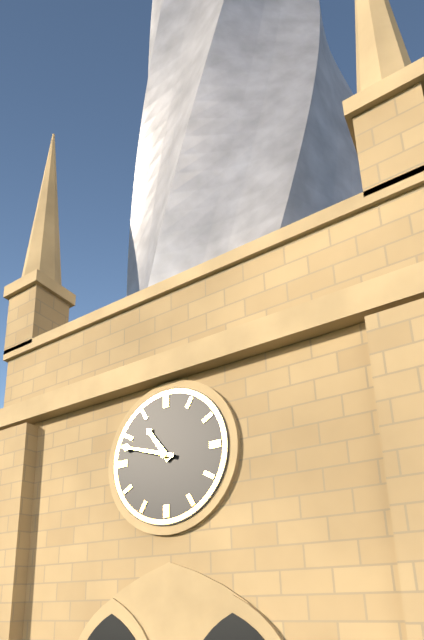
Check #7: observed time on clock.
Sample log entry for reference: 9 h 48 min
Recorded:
10 h 48 min
